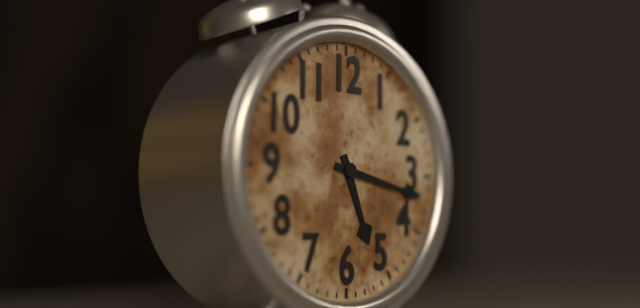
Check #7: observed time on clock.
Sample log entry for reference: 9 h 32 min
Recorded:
5 h 17 min
